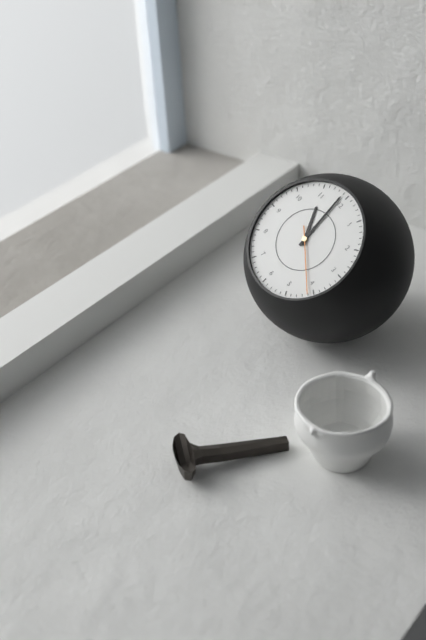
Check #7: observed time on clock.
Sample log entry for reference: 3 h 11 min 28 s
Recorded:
10 h 59 min 21 s
